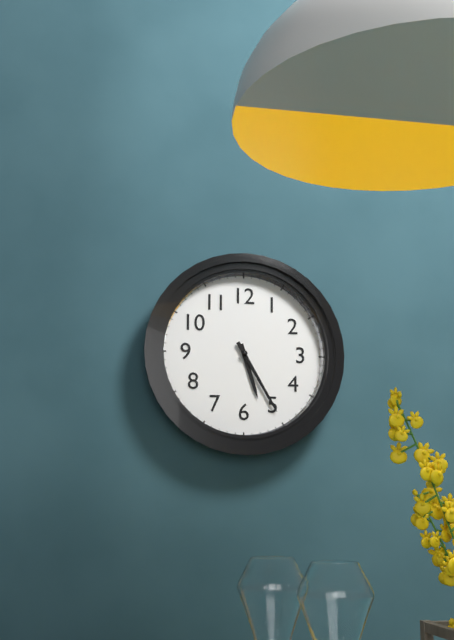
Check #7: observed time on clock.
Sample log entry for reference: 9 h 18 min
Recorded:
5 h 25 min
